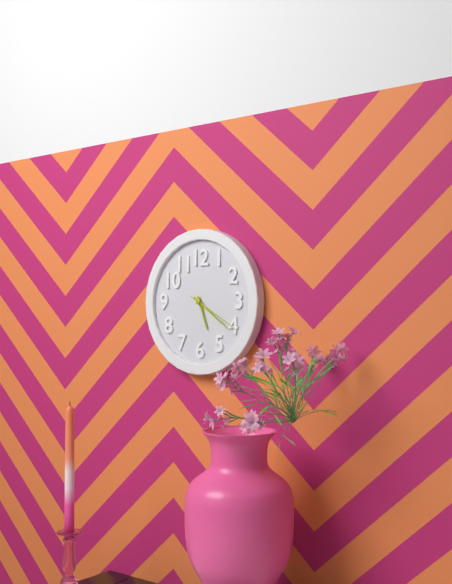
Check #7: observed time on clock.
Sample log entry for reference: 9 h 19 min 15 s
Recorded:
5 h 21 min 20 s
